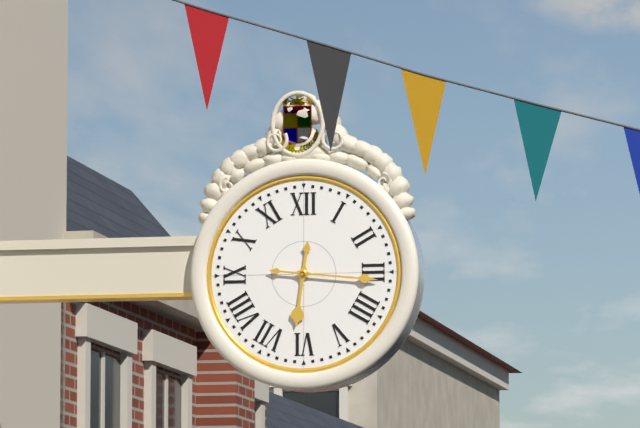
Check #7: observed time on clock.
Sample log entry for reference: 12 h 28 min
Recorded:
6 h 16 min
